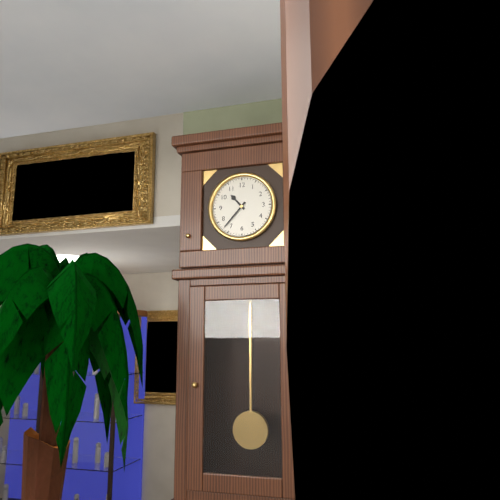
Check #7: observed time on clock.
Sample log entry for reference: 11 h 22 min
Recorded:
10 h 37 min
